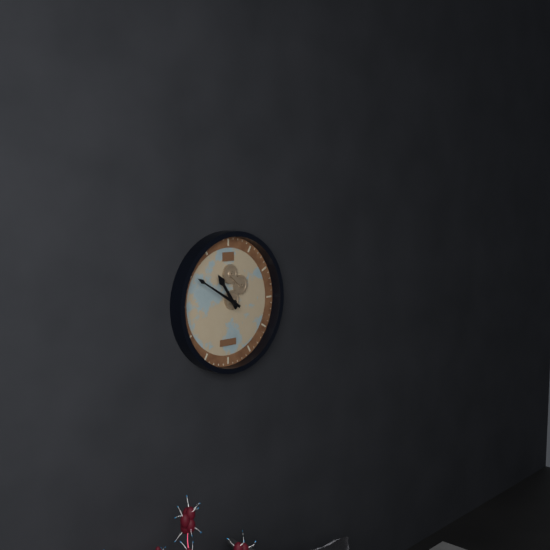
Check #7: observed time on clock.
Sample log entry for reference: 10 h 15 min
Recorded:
10 h 50 min
